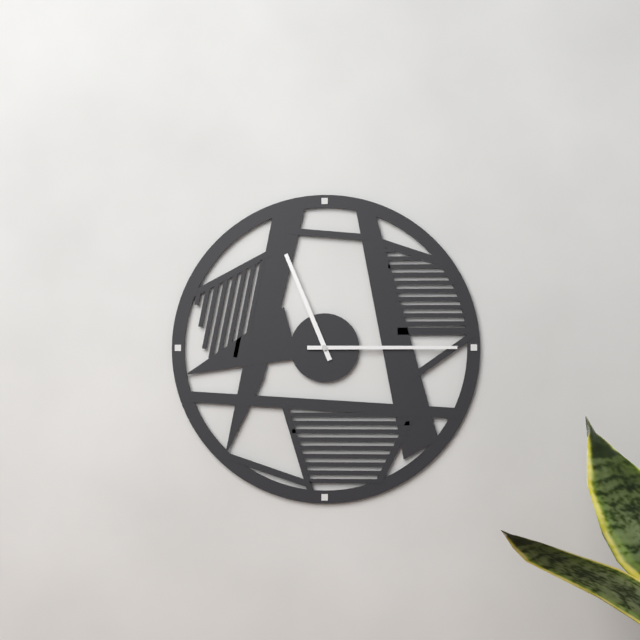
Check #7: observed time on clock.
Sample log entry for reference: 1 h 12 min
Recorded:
11 h 15 min
